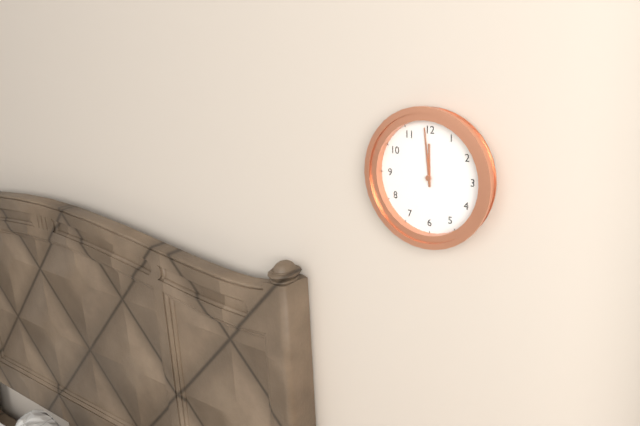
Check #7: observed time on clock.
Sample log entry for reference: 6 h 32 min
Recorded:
11 h 59 min
